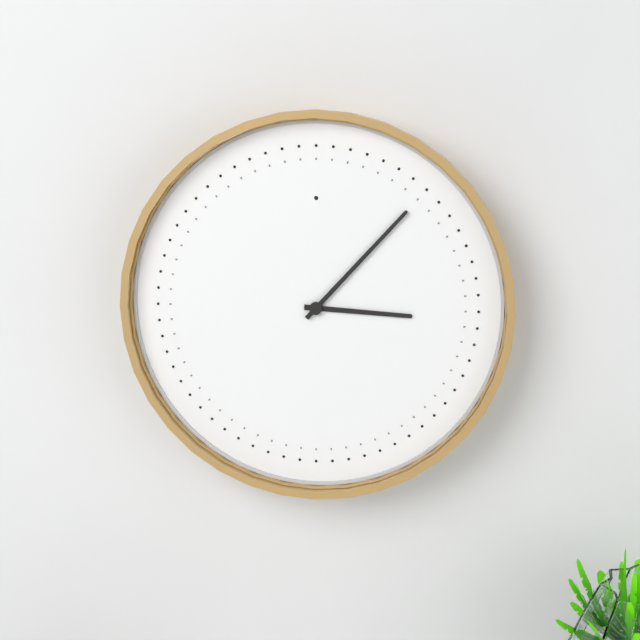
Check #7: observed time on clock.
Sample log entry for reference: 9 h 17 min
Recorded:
3 h 07 min
